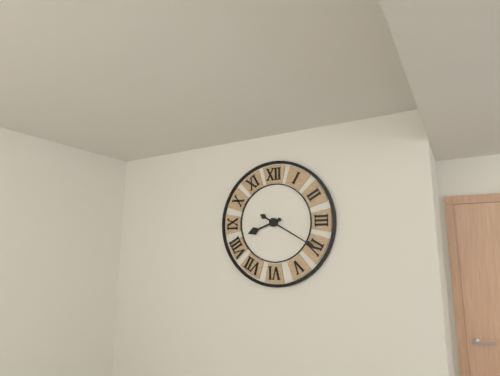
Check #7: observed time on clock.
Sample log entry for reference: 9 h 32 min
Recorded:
8 h 20 min
